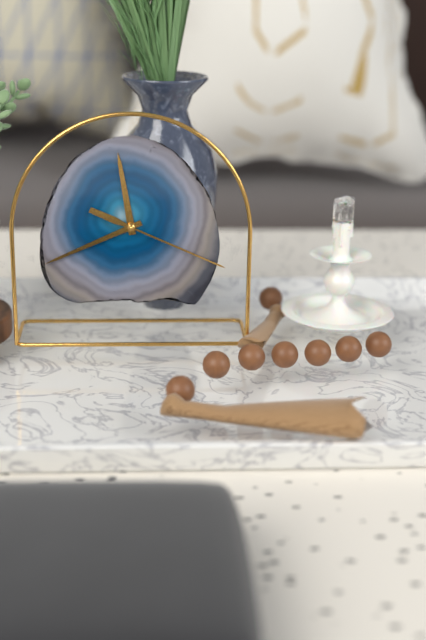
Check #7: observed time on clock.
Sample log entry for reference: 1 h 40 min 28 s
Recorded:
11 h 41 min 19 s
